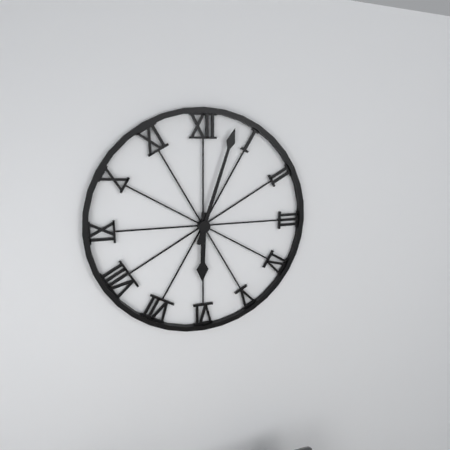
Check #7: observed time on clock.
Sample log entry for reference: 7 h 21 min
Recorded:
6 h 03 min
